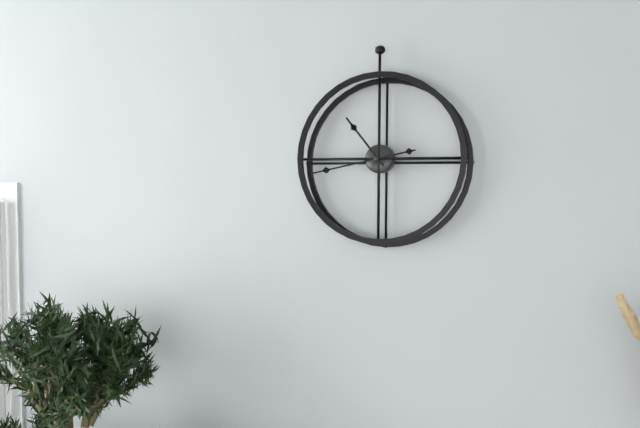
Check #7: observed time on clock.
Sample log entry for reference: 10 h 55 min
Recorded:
10 h 43 min
